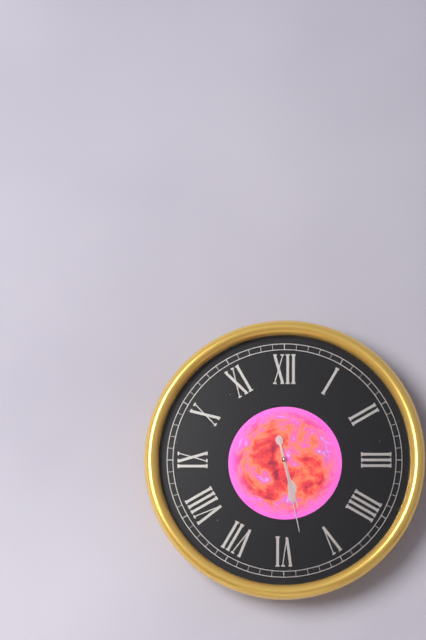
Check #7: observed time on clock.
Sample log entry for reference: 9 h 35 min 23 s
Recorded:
5 h 28 min 28 s
